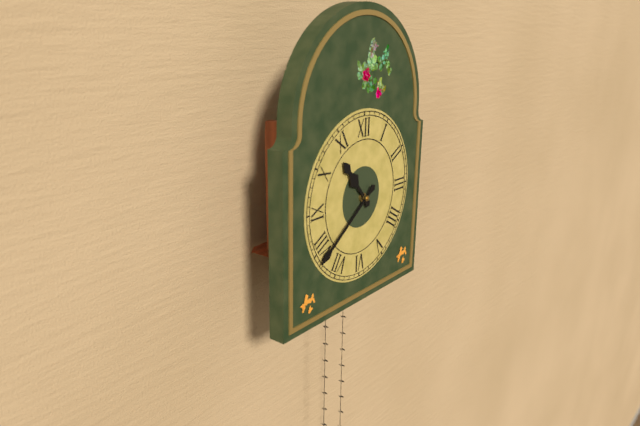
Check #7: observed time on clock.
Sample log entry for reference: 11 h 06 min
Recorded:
10 h 39 min
